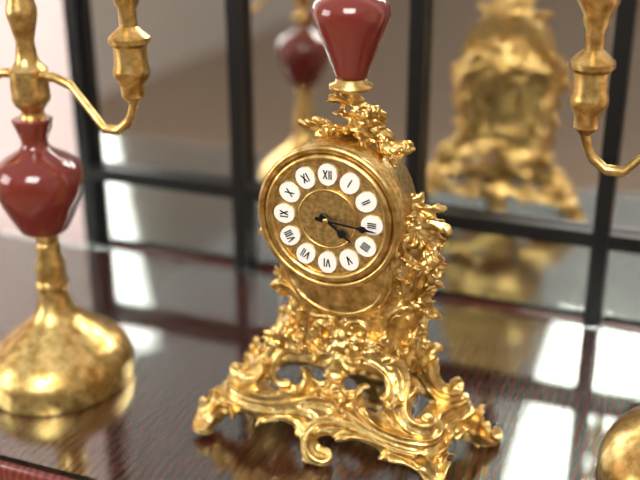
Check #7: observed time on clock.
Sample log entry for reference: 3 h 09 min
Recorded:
4 h 16 min
